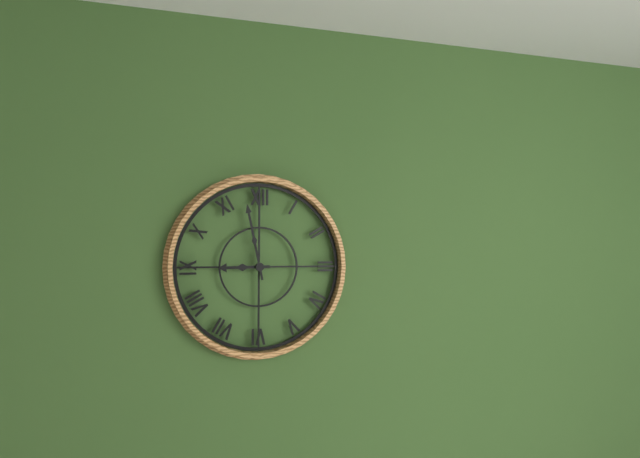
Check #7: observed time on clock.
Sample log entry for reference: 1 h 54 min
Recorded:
8 h 58 min
